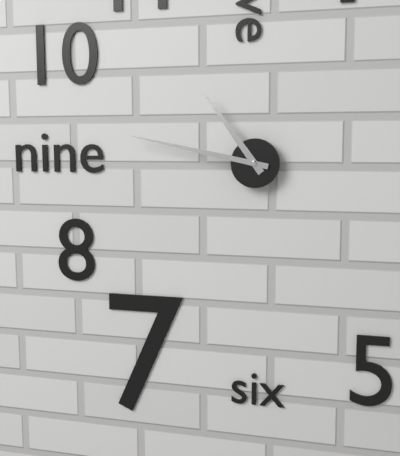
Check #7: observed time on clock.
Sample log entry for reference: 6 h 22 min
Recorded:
10 h 47 min
